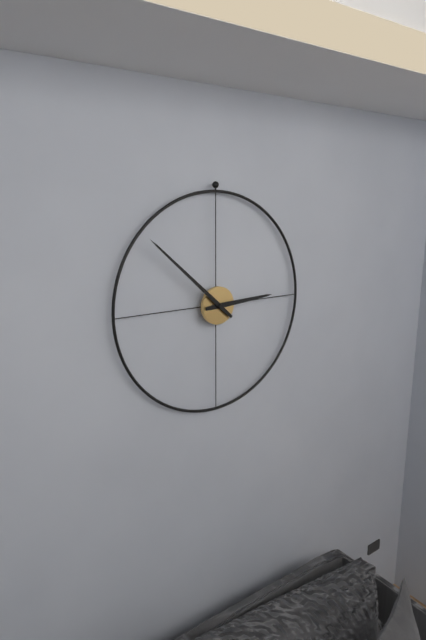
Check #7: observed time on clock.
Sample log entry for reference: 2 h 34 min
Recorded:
2 h 52 min
